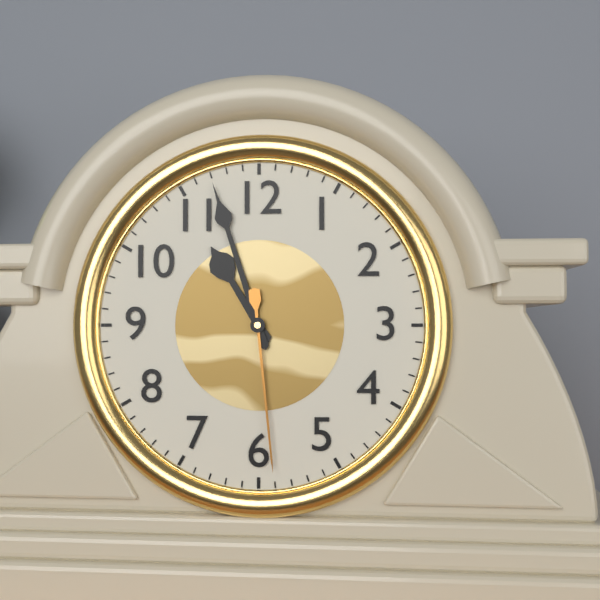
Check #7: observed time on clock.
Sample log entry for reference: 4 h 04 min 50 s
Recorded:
10 h 57 min 29 s
